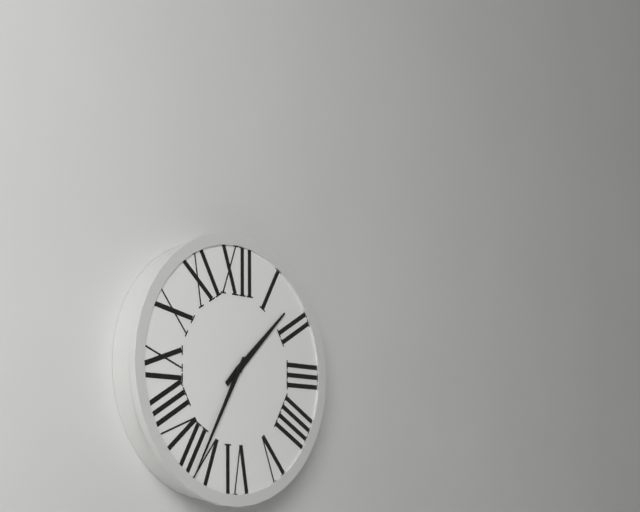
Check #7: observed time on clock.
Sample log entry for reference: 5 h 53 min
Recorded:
1 h 35 min
